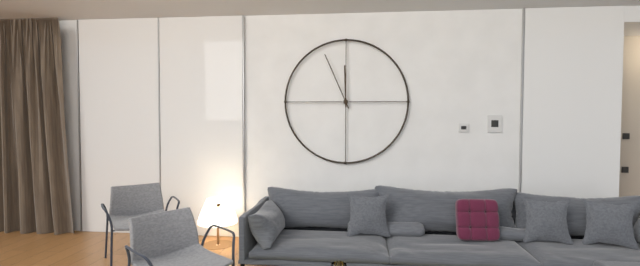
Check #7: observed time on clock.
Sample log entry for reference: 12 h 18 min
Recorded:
11 h 56 min
